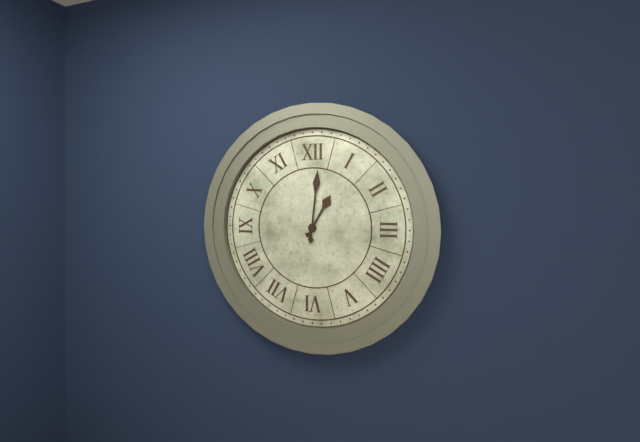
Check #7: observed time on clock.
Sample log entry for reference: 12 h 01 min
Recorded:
1 h 01 min
